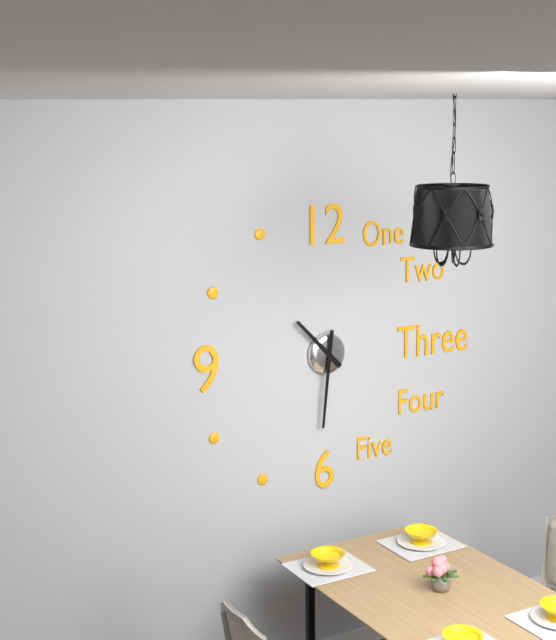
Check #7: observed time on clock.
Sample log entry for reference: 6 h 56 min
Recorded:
10 h 31 min
